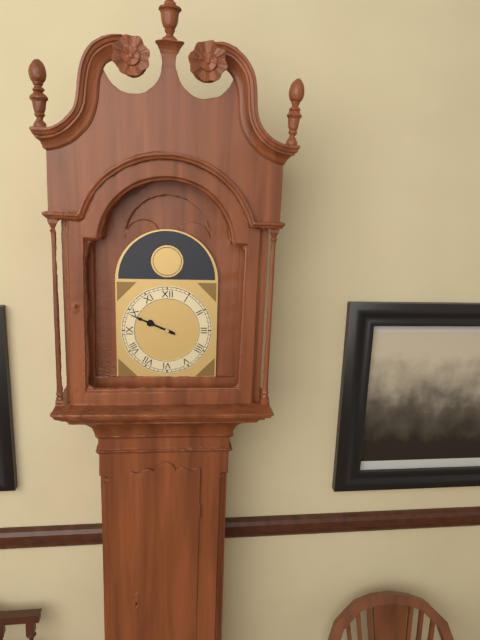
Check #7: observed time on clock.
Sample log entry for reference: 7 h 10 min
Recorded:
9 h 49 min
